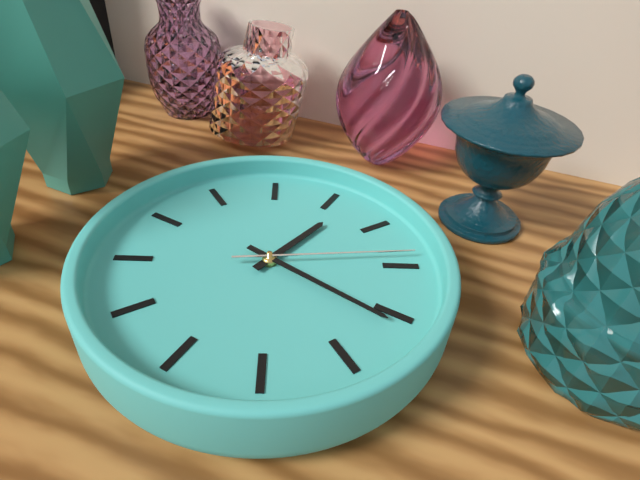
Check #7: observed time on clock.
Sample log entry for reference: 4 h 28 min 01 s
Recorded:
1 h 21 min 14 s
